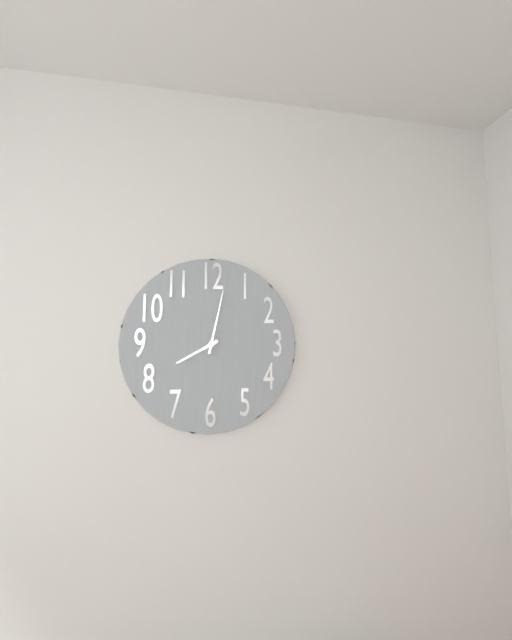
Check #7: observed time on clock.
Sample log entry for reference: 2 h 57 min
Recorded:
8 h 02 min
